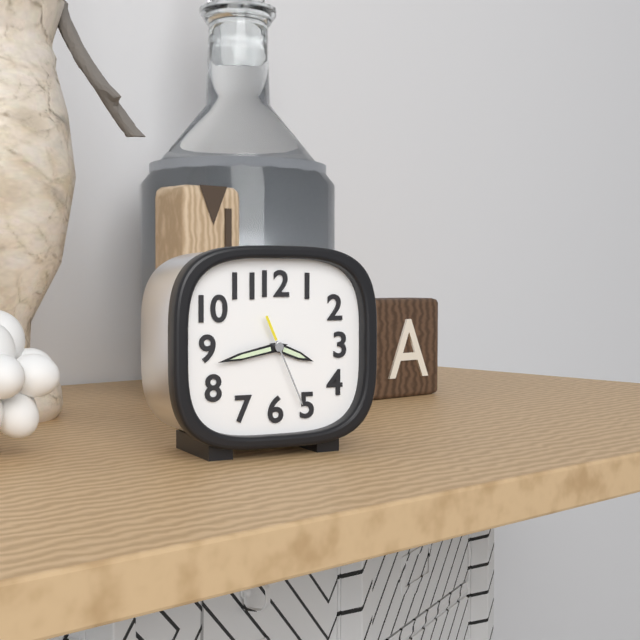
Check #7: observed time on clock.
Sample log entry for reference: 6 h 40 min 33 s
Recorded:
3 h 43 min 26 s
